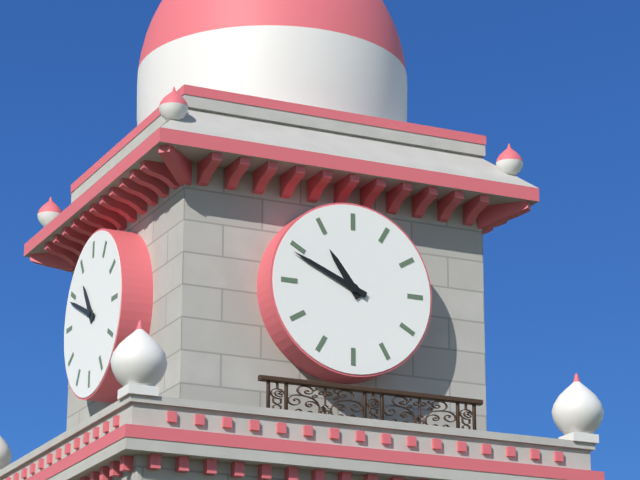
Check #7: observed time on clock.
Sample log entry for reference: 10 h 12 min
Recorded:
10 h 49 min
